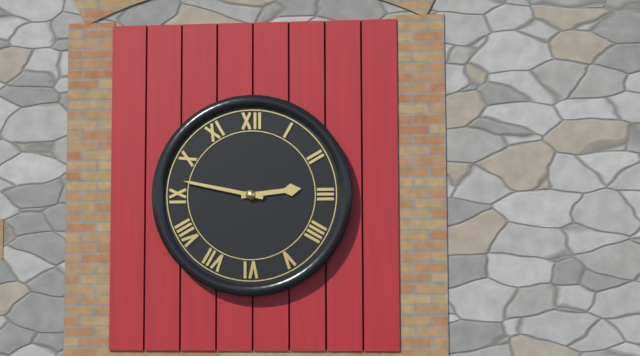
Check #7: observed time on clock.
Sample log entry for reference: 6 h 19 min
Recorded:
2 h 47 min
